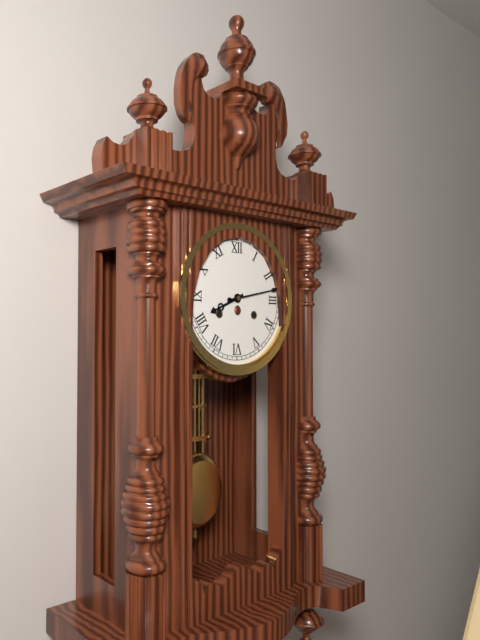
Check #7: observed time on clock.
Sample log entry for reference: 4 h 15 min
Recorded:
8 h 13 min
